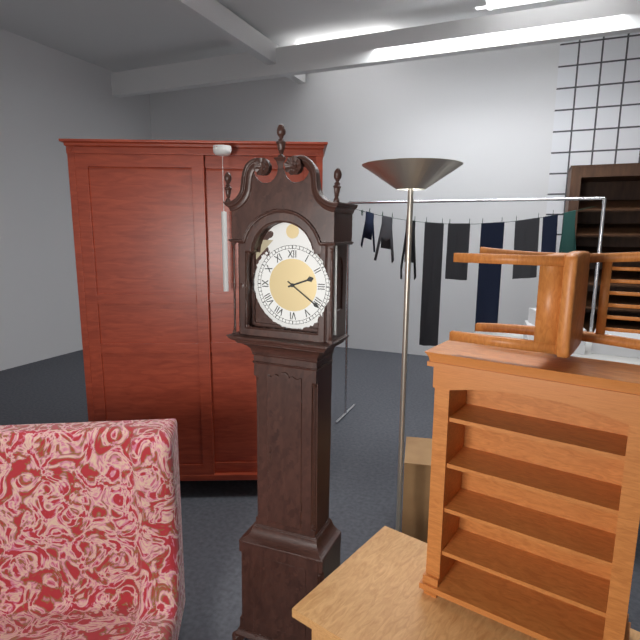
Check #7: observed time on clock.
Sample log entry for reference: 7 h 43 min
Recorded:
2 h 21 min
